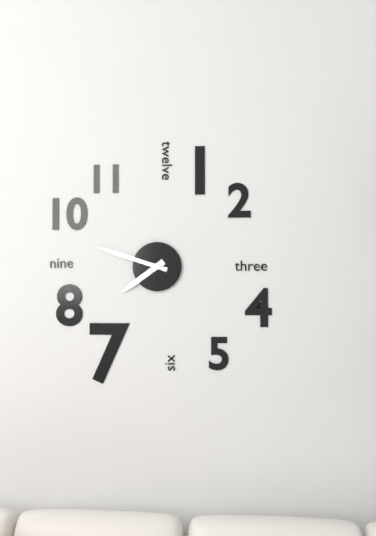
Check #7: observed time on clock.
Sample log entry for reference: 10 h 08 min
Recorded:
7 h 48 min
